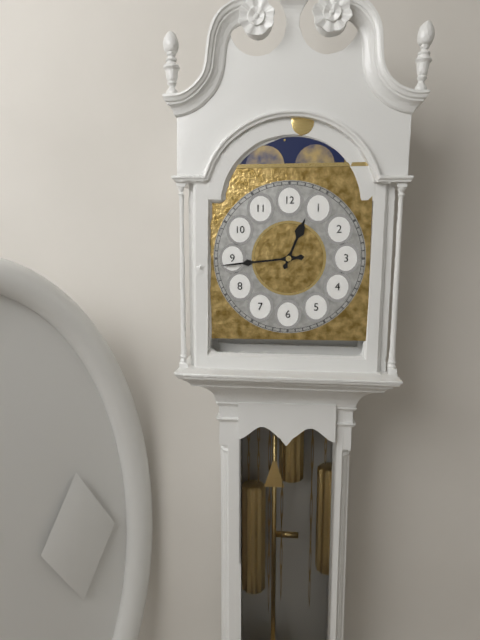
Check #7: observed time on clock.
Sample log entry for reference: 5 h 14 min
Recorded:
12 h 44 min
